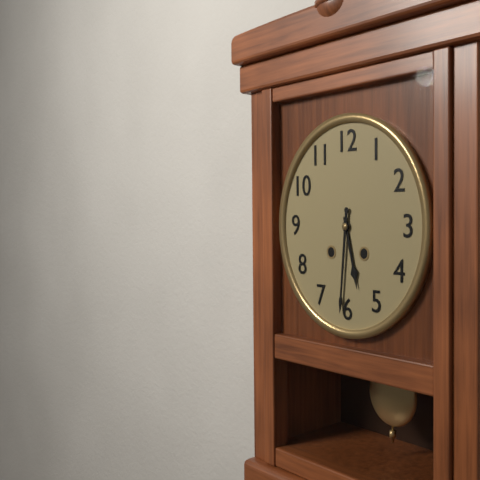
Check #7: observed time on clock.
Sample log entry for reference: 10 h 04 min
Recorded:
5 h 31 min
